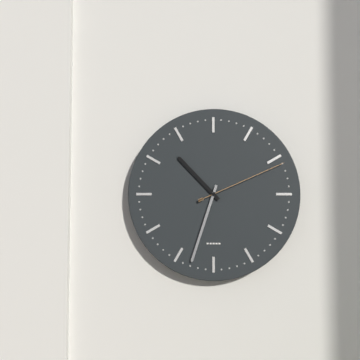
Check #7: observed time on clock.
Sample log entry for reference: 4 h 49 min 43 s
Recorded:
10 h 33 min 11 s
